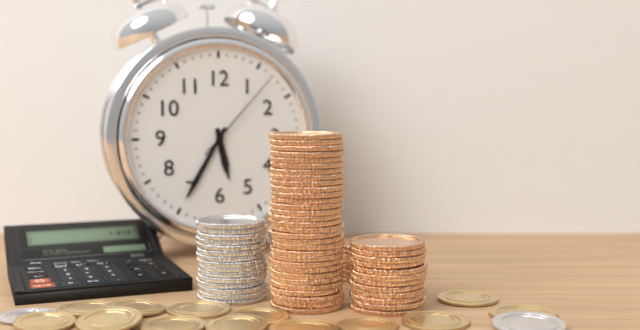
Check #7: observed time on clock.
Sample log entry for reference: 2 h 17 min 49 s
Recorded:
5 h 35 min 07 s
